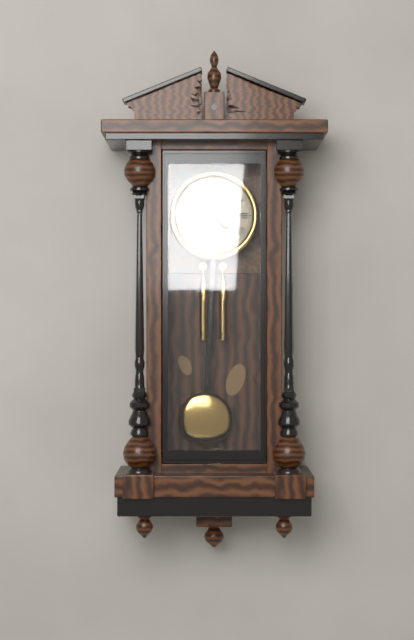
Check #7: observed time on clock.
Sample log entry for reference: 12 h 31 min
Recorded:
4 h 41 min
